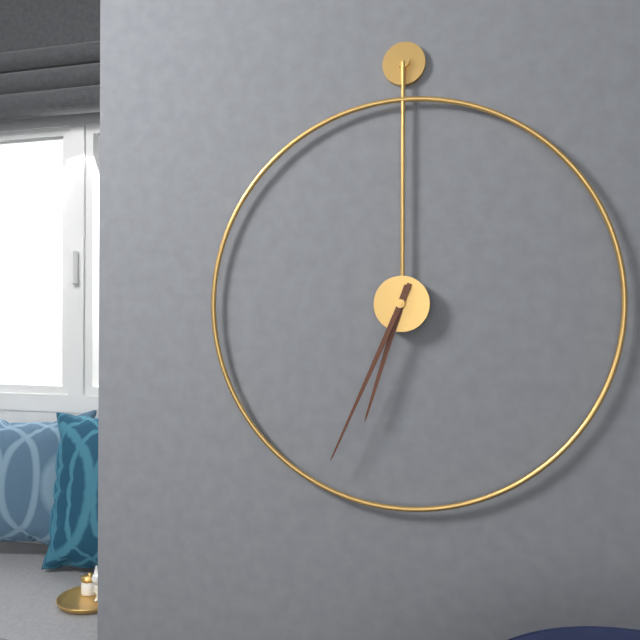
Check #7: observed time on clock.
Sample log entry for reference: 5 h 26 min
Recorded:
6 h 34 min
